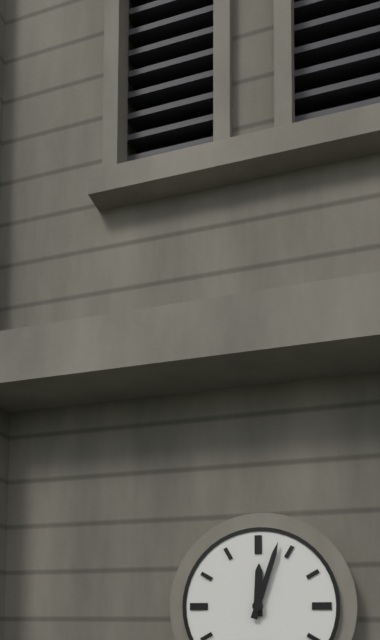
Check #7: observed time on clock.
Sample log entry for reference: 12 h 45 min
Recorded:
12 h 03 min
